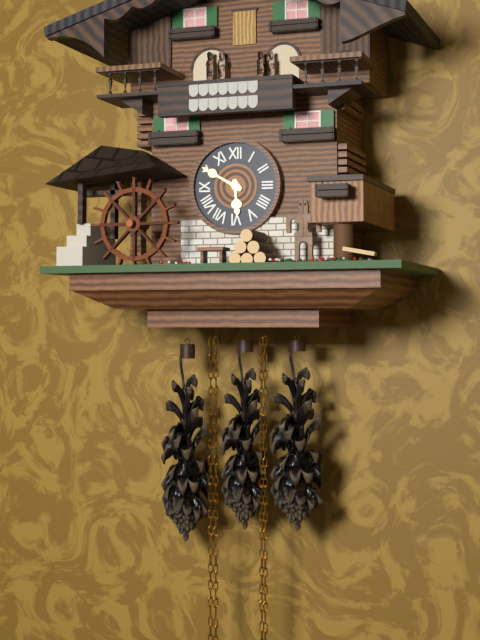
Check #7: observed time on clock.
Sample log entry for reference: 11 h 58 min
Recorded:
5 h 50 min
